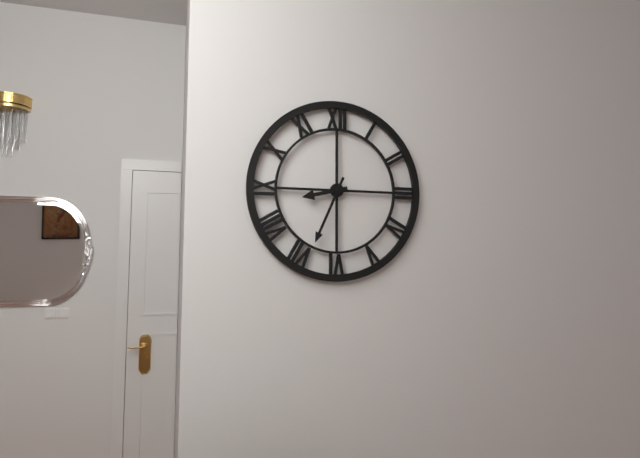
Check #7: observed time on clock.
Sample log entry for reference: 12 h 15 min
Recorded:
8 h 34 min
